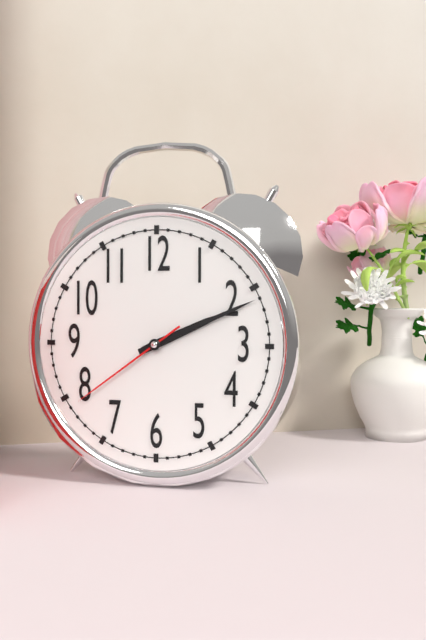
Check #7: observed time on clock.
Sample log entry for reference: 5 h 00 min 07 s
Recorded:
2 h 11 min 39 s
